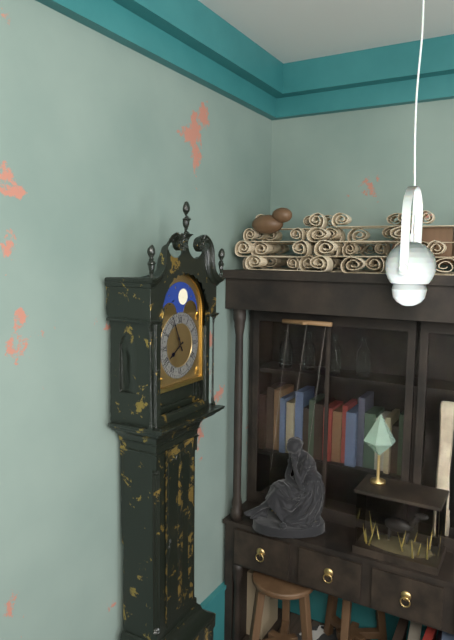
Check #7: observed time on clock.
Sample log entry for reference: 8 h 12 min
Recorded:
7 h 56 min
